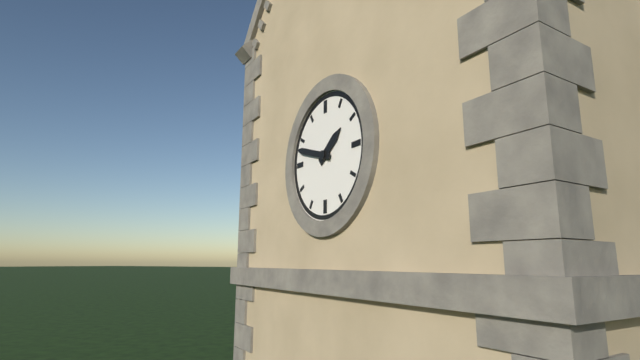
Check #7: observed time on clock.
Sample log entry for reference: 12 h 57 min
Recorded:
1 h 48 min
